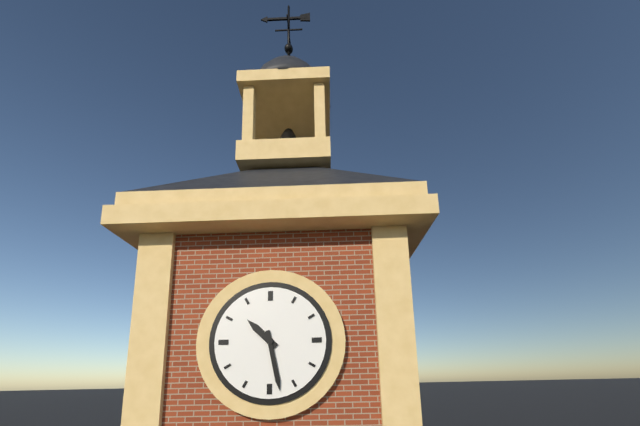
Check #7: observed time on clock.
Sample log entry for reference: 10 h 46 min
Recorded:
10 h 28 min
